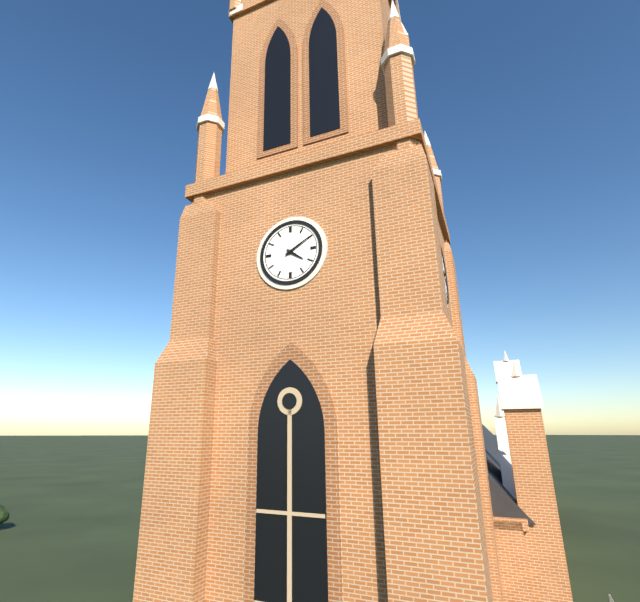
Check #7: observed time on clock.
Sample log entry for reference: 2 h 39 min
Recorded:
4 h 10 min
